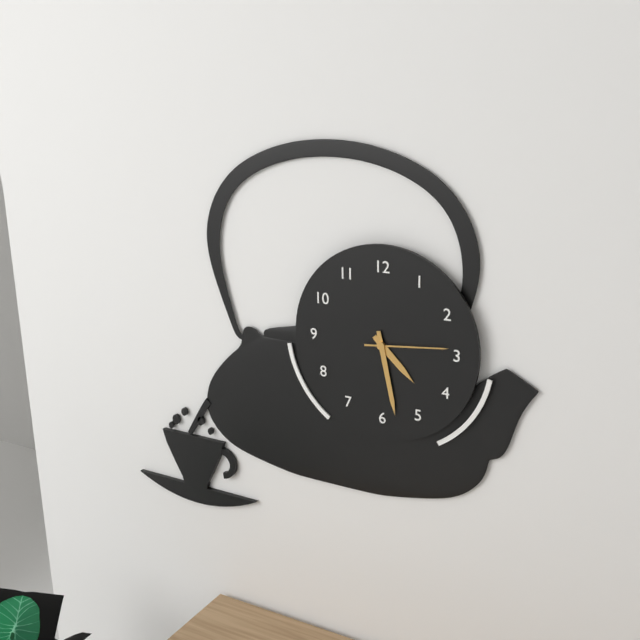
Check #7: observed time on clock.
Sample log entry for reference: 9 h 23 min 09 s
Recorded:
4 h 28 min 14 s
